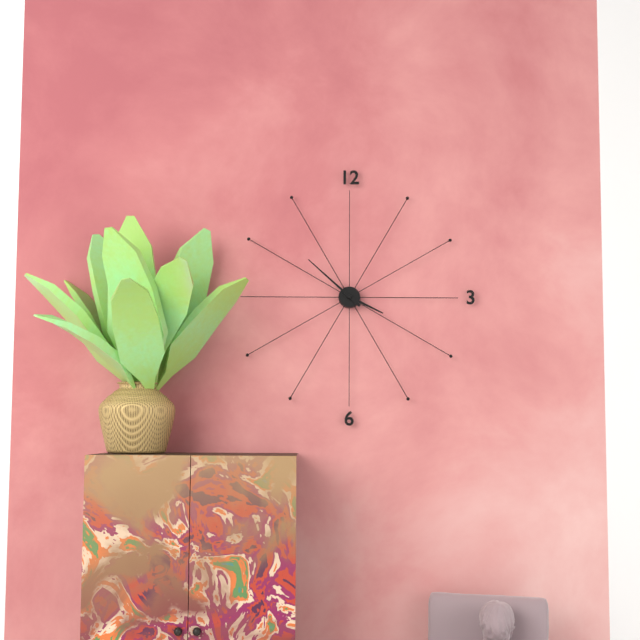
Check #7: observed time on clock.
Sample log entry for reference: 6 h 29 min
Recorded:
3 h 52 min
